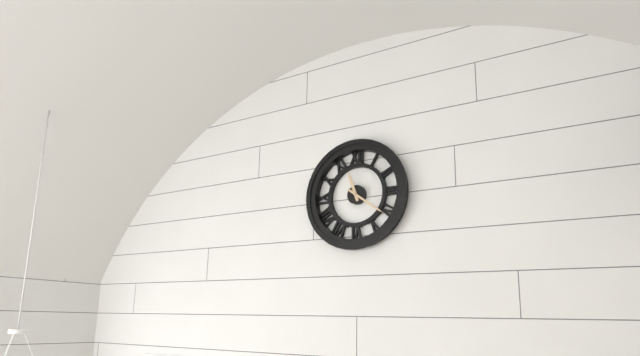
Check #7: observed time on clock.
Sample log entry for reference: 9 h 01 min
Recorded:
11 h 21 min
